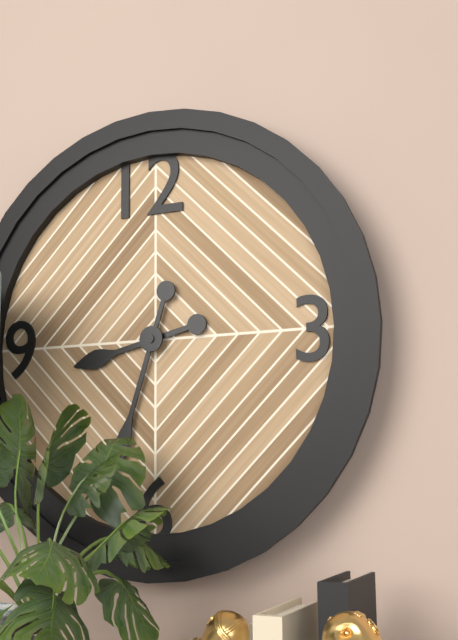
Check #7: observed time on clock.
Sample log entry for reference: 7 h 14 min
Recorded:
8 h 33 min
